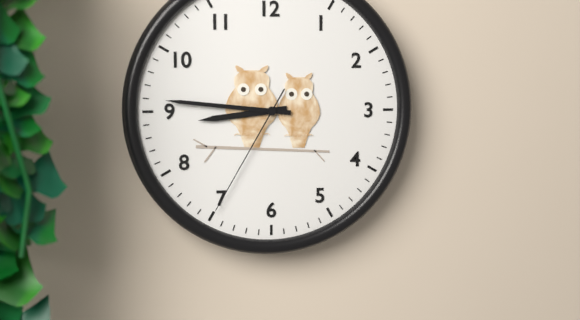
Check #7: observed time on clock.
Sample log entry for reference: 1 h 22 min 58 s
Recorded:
8 h 46 min 35 s
